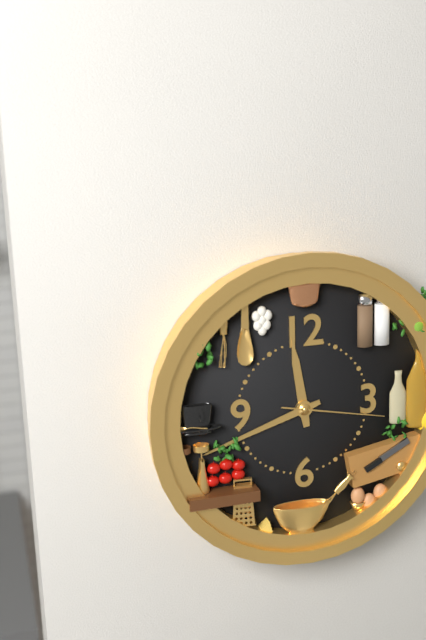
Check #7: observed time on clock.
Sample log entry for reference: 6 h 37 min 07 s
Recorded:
11 h 42 min 17 s
